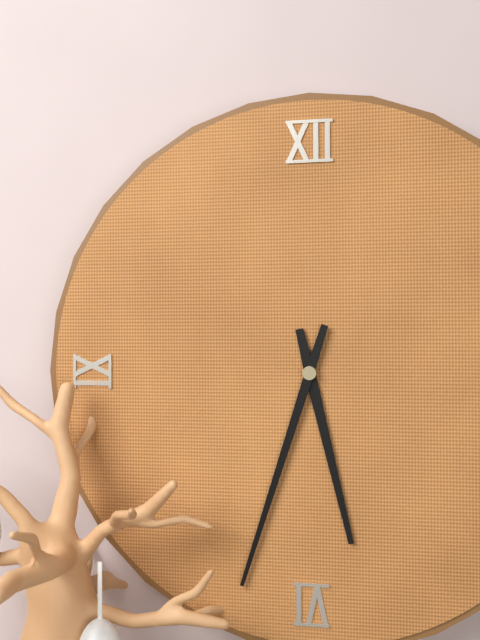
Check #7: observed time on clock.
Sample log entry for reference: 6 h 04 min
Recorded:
5 h 33 min
